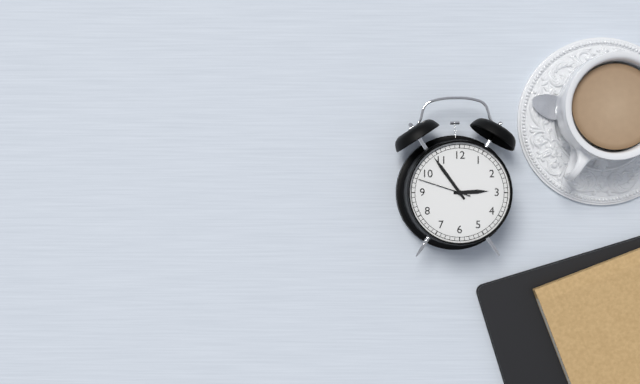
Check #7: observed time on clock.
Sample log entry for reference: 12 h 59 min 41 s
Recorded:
2 h 54 min 48 s
